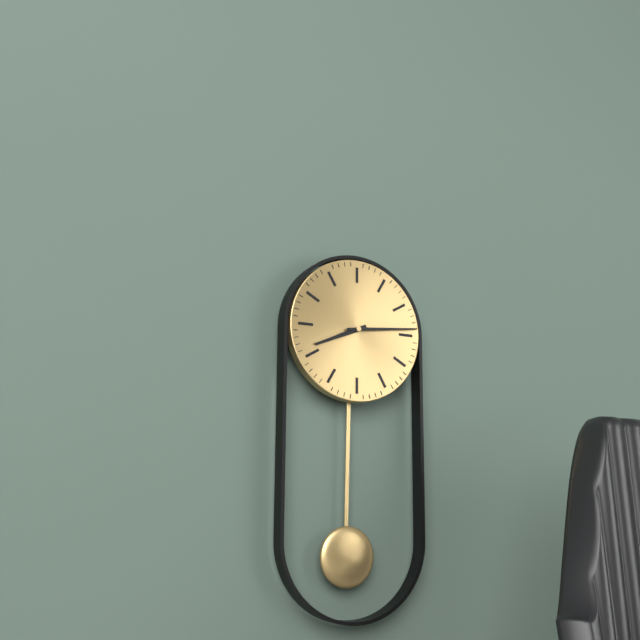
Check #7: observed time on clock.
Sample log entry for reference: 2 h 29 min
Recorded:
8 h 14 min
